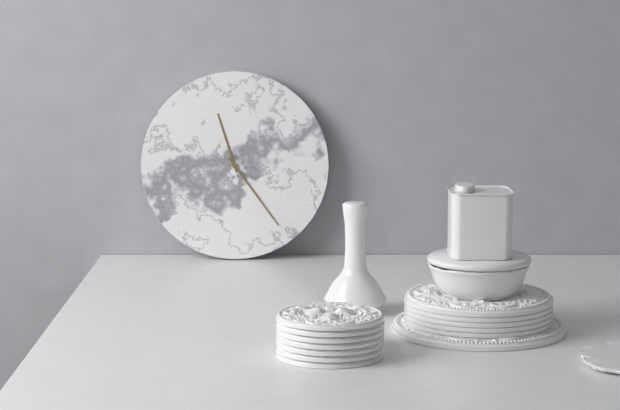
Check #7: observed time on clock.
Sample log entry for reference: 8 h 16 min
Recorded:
11 h 24 min
